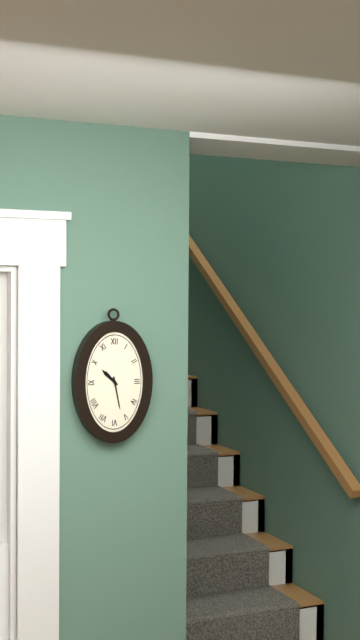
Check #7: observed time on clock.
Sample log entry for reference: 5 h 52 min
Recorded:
10 h 28 min
